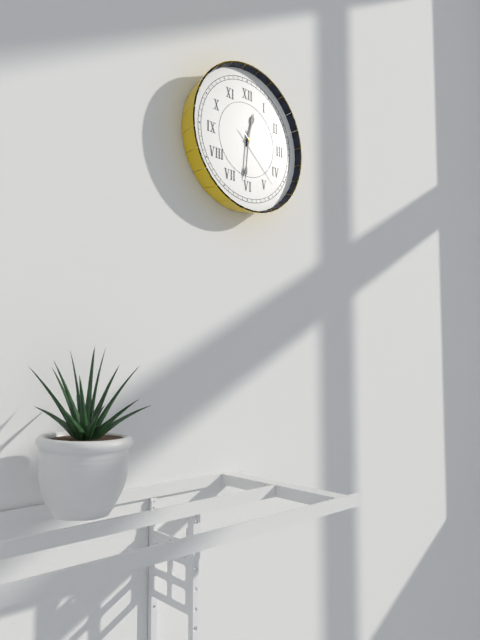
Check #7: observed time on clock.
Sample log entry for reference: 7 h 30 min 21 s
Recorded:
12 h 31 min 22 s
